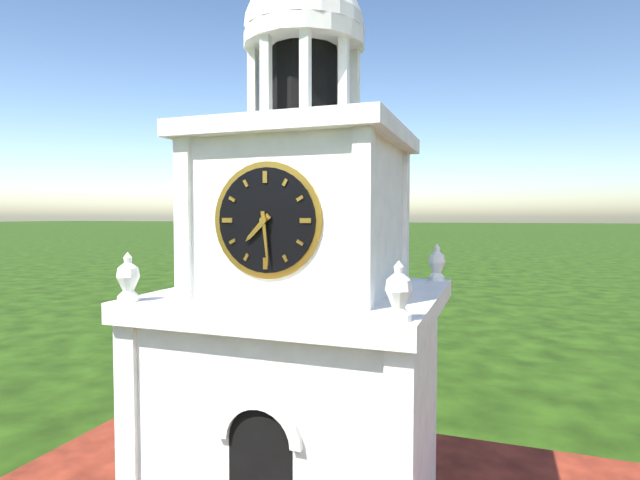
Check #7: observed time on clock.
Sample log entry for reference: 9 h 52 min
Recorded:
7 h 29 min
